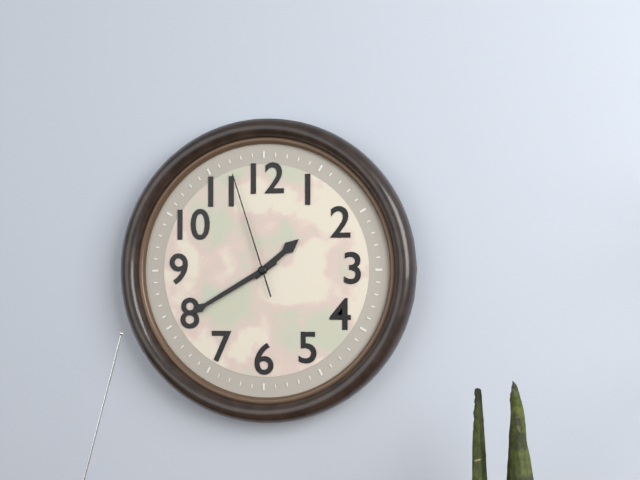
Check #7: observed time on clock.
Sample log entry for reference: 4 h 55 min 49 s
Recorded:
1 h 40 min 57 s
